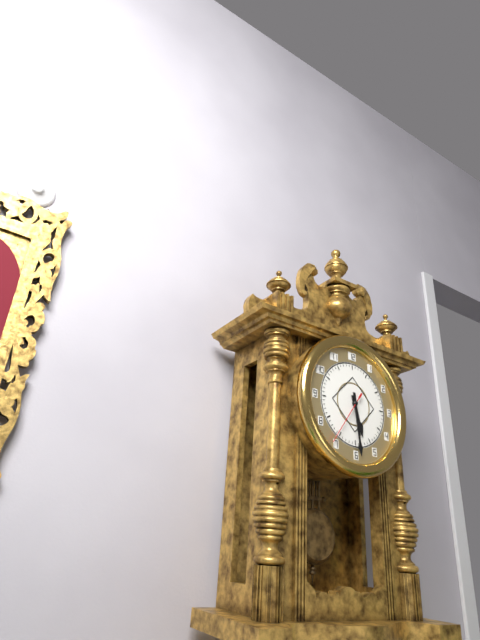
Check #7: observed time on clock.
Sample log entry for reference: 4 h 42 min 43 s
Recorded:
5 h 29 min 36 s
